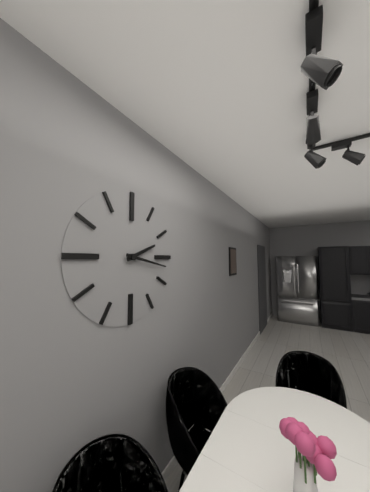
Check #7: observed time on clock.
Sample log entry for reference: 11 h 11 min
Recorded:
2 h 17 min
